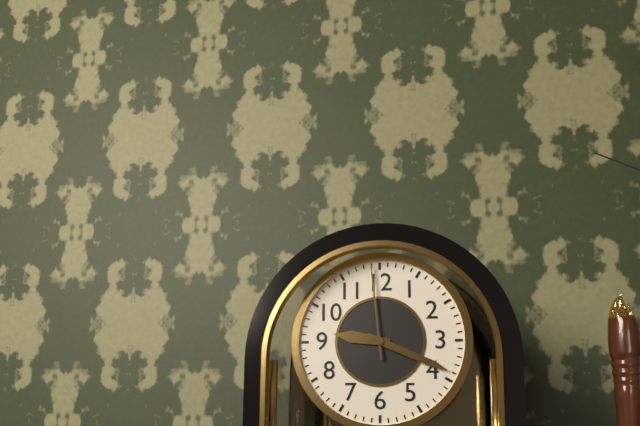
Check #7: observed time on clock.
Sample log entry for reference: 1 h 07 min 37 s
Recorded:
9 h 19 min 59 s
